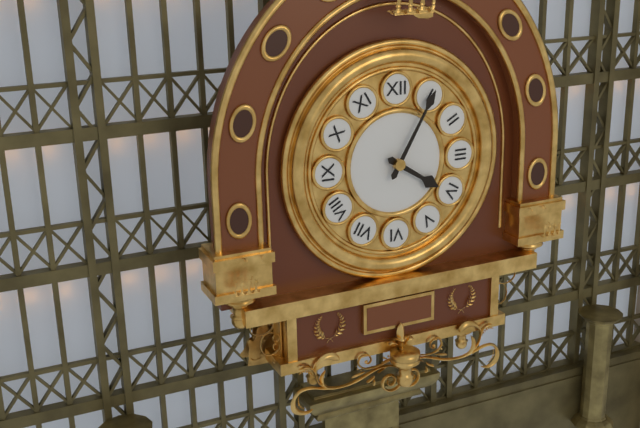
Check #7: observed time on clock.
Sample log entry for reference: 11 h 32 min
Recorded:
4 h 05 min
